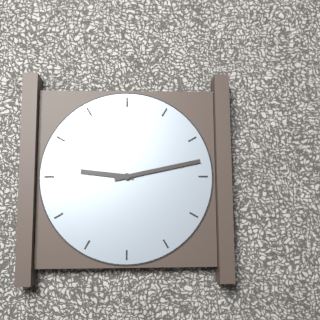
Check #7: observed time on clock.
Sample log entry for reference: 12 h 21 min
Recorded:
9 h 13 min
